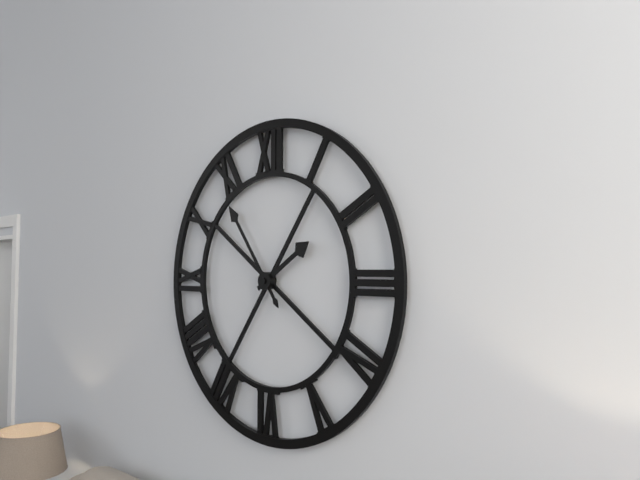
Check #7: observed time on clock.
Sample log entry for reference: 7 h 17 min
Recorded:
1 h 54 min
